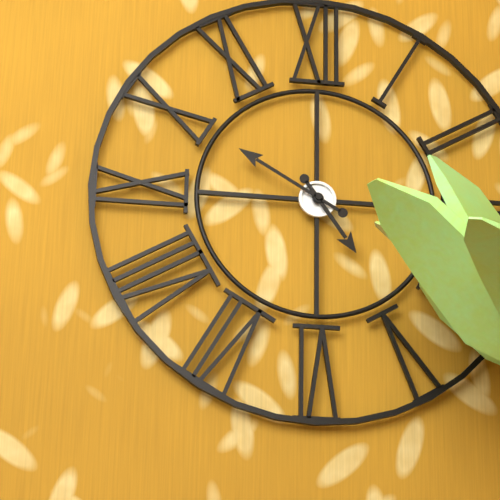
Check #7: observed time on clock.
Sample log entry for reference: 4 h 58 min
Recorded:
4 h 50 min
